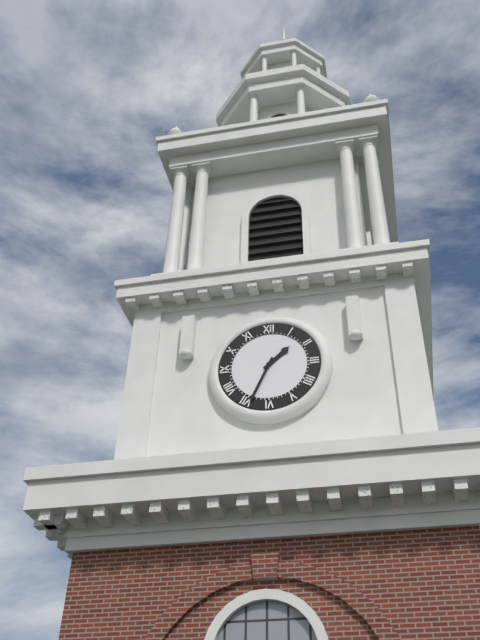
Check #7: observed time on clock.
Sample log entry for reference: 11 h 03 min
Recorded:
1 h 34 min
